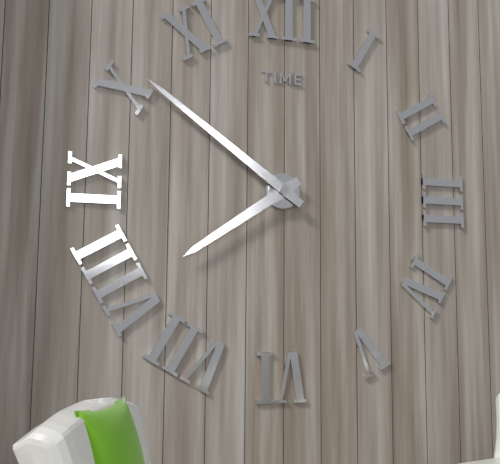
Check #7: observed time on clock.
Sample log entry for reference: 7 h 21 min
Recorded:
7 h 51 min
